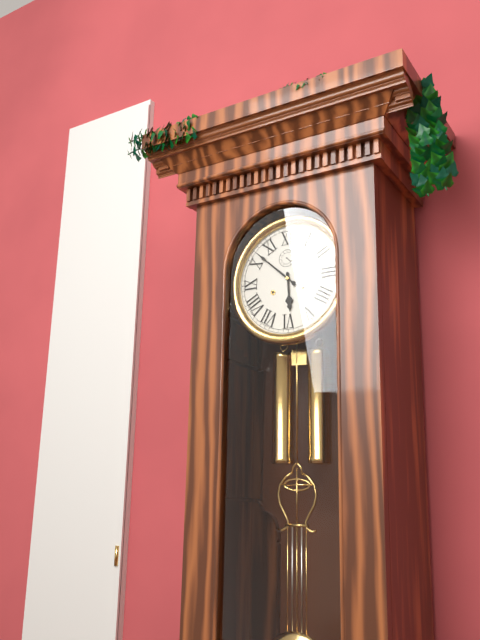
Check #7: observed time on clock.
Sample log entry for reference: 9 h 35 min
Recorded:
5 h 52 min
